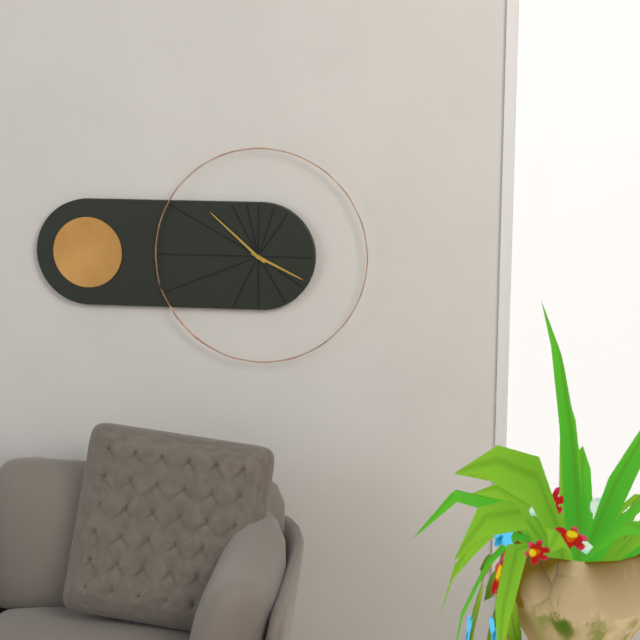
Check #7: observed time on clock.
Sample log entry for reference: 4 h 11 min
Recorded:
3 h 52 min
